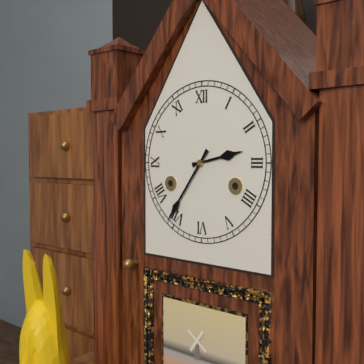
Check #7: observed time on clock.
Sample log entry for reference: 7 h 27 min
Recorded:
2 h 36 min
